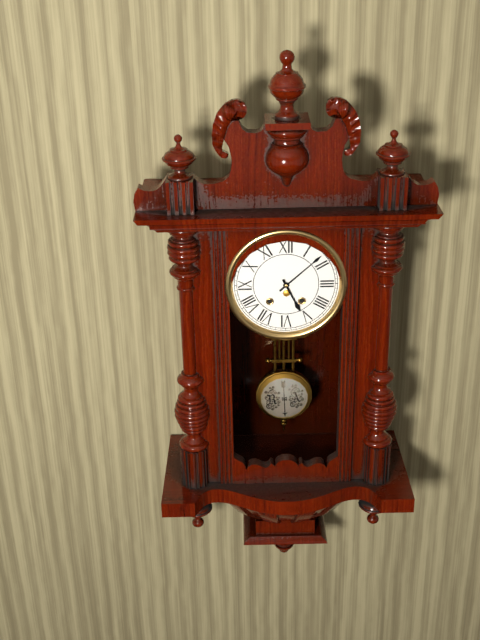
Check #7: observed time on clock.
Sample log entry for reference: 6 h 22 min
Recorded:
5 h 08 min
